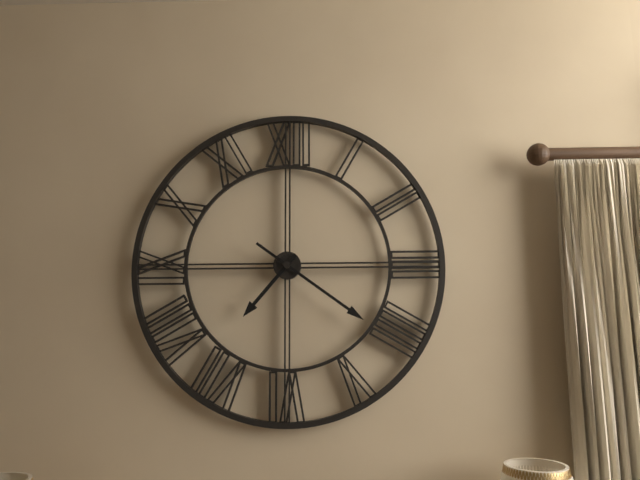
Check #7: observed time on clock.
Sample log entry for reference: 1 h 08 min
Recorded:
7 h 21 min
